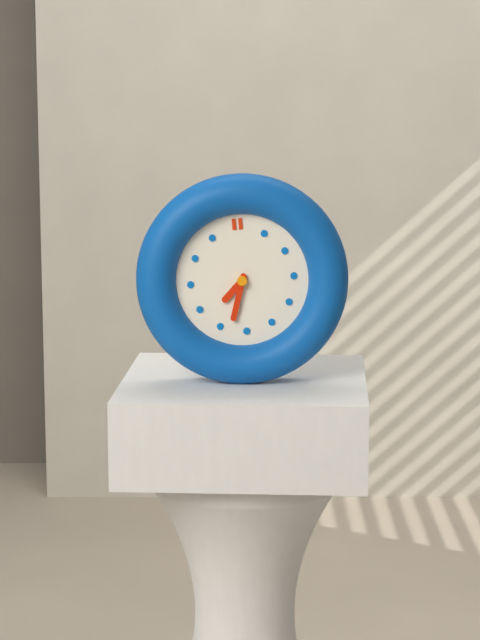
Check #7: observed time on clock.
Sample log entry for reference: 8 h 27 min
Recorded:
7 h 33 min
